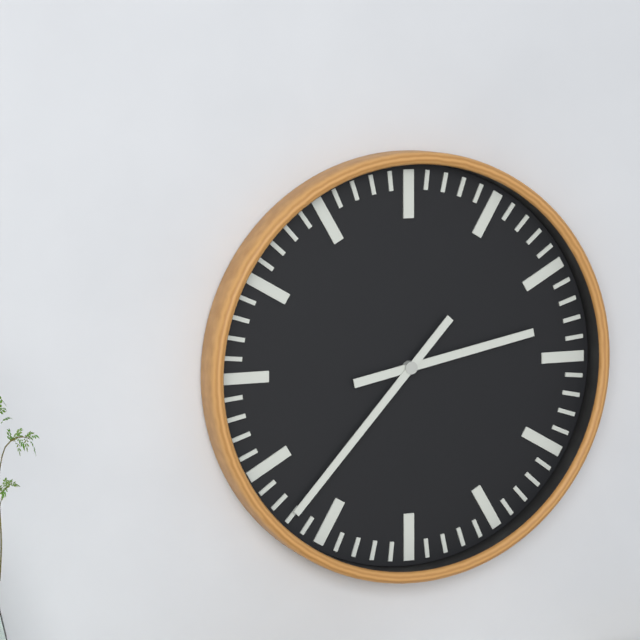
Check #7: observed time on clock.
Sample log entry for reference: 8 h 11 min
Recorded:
2 h 37 min
